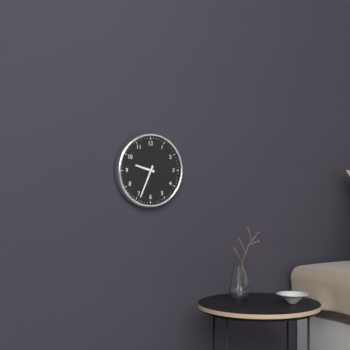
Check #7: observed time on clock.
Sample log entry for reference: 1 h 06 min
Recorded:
9 h 34 min
